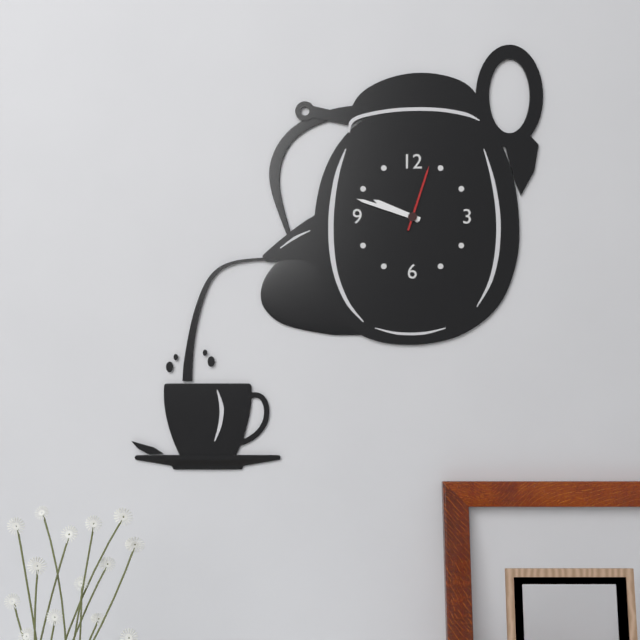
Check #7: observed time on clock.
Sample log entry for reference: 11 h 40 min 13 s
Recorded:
9 h 48 min 03 s
